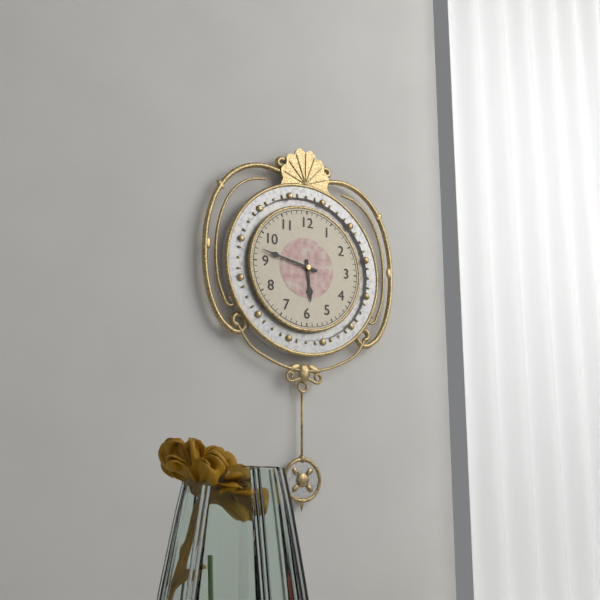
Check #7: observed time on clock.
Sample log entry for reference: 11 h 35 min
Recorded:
5 h 47 min
